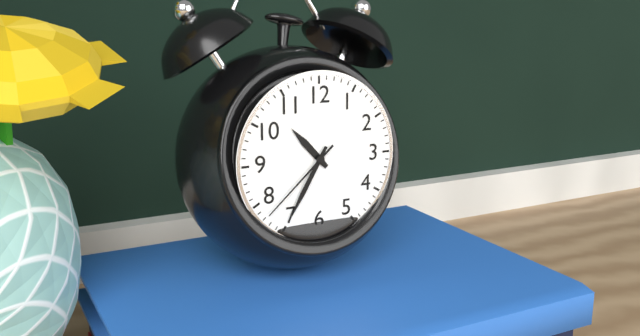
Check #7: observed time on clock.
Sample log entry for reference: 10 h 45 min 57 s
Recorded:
10 h 35 min 38 s
